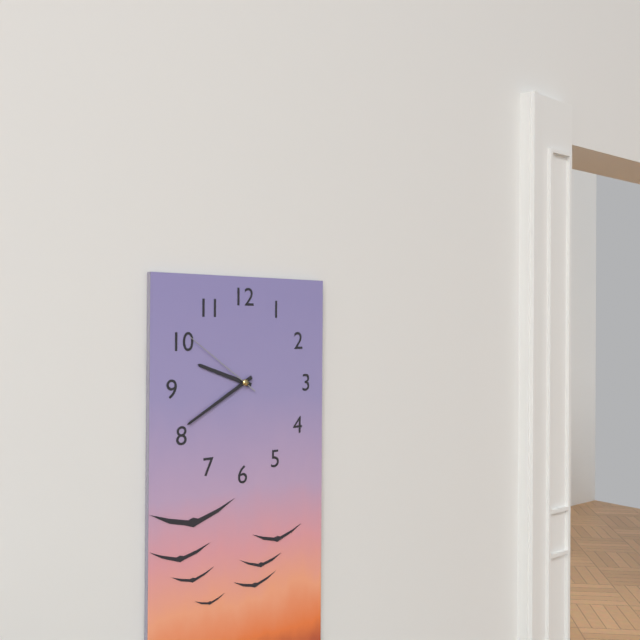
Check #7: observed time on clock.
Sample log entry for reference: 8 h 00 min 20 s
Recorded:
9 h 40 min 51 s
